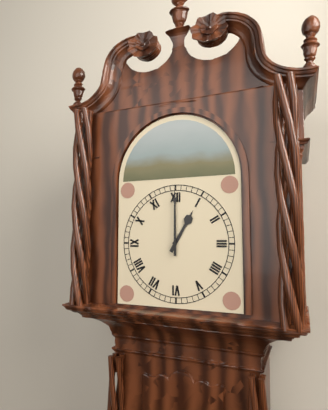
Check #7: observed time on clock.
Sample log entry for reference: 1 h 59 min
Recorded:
1 h 00 min
